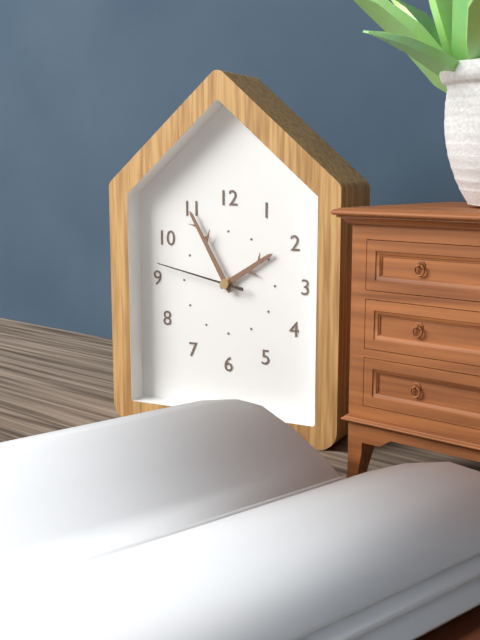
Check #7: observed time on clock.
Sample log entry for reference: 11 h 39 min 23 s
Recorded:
1 h 55 min 47 s
